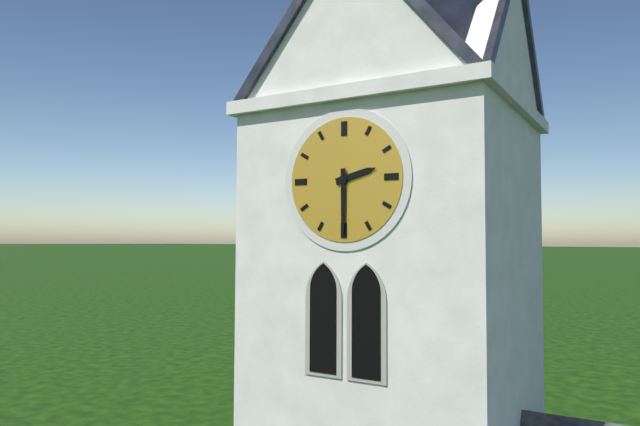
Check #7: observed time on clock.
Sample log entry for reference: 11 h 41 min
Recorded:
2 h 30 min
